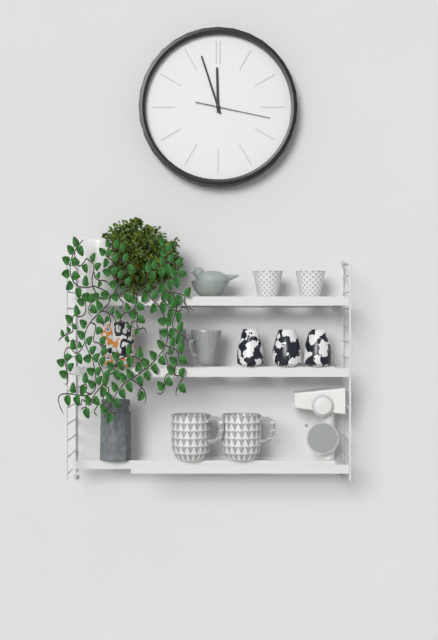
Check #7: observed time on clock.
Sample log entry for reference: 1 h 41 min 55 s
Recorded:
11 h 57 min 17 s
